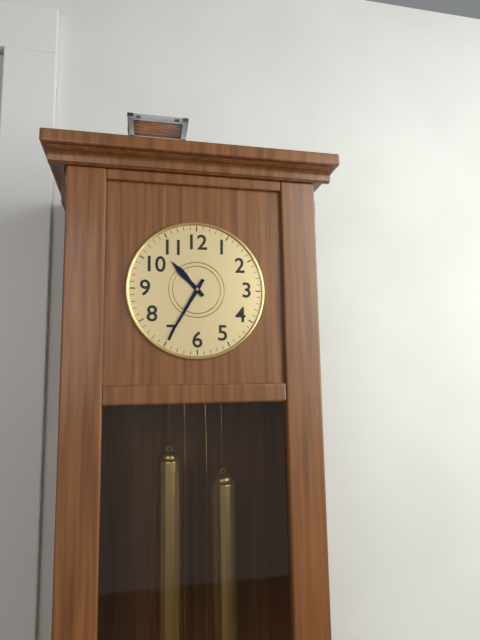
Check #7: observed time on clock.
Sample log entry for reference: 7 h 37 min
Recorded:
10 h 35 min
